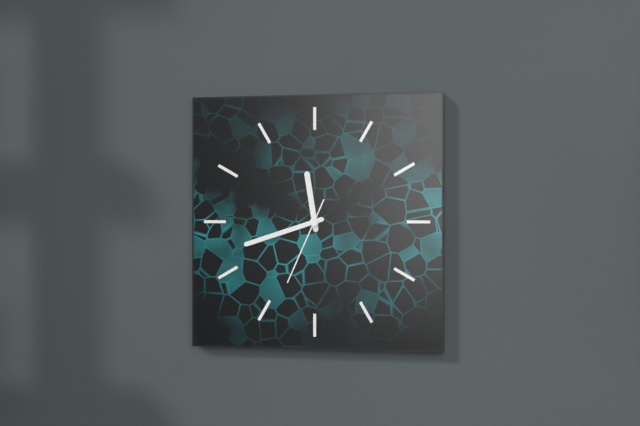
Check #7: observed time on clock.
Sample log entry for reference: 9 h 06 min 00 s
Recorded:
11 h 42 min 34 s
